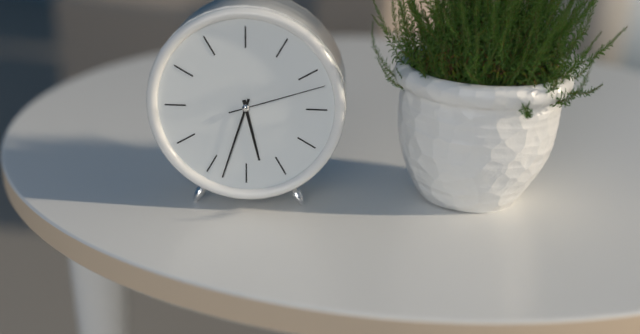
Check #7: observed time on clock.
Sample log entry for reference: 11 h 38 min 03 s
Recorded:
5 h 33 min 12 s
